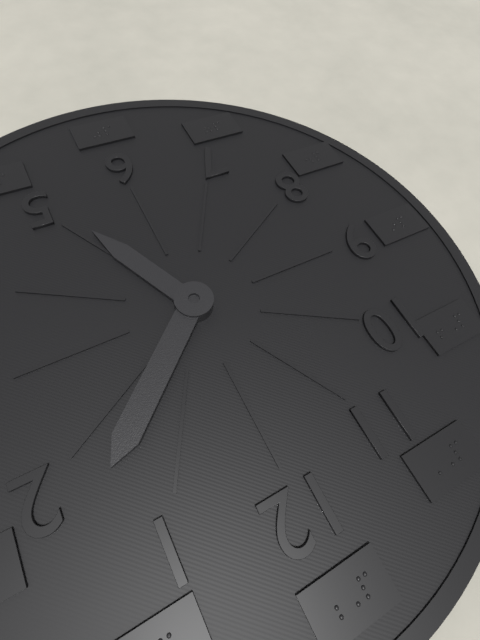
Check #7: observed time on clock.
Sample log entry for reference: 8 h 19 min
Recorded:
5 h 08 min
